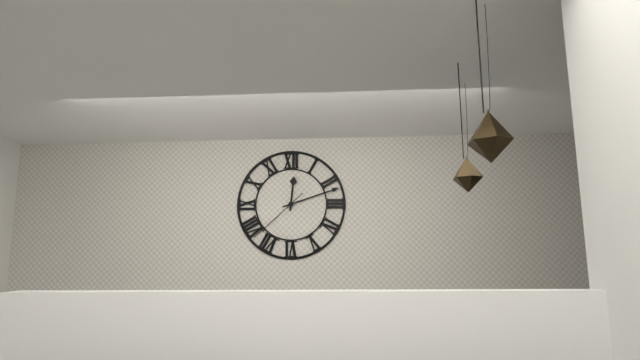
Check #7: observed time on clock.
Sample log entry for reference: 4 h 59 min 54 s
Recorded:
12 h 12 min 38 s
